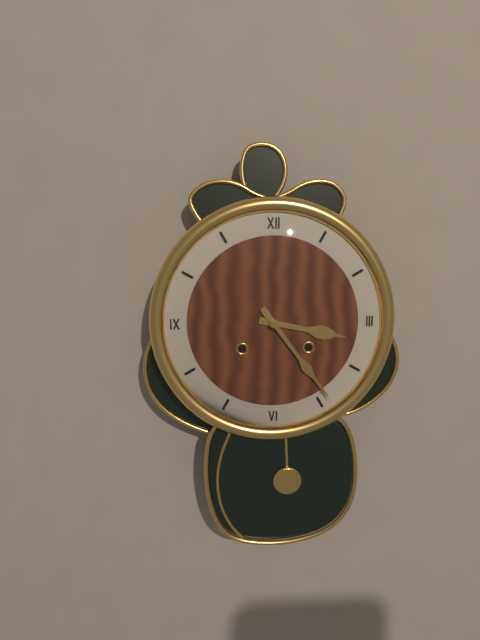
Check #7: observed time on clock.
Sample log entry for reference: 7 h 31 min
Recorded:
3 h 24 min
